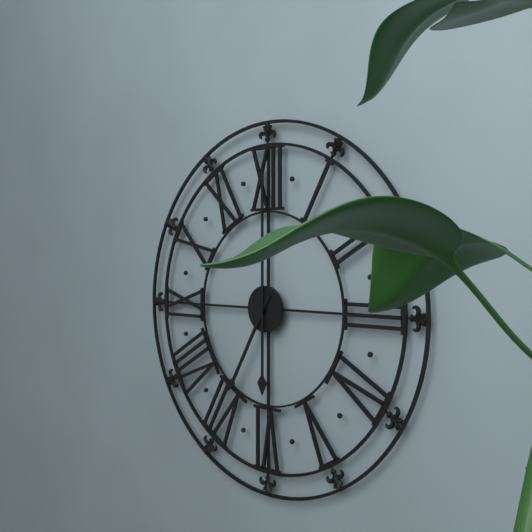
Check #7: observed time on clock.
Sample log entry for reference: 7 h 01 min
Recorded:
7 h 00 min
